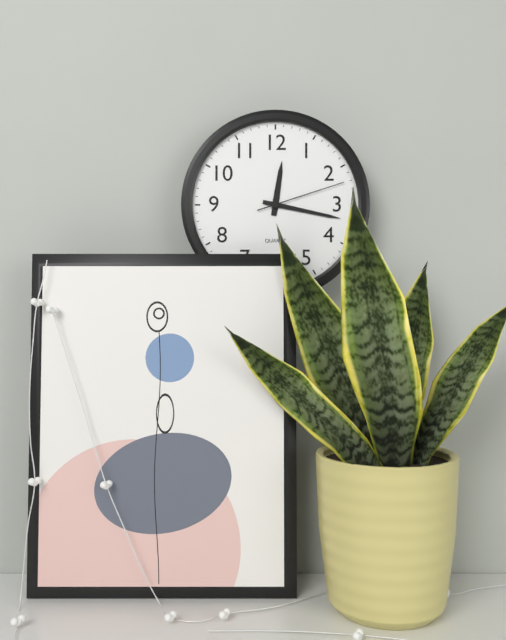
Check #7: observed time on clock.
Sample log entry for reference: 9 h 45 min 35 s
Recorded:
12 h 17 min 12 s
